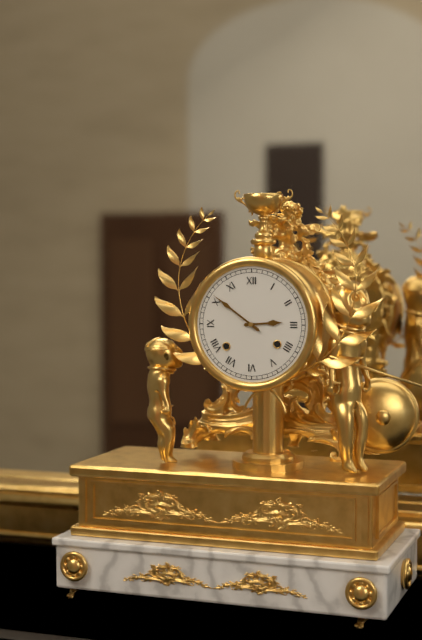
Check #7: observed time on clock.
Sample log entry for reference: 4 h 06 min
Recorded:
2 h 51 min
